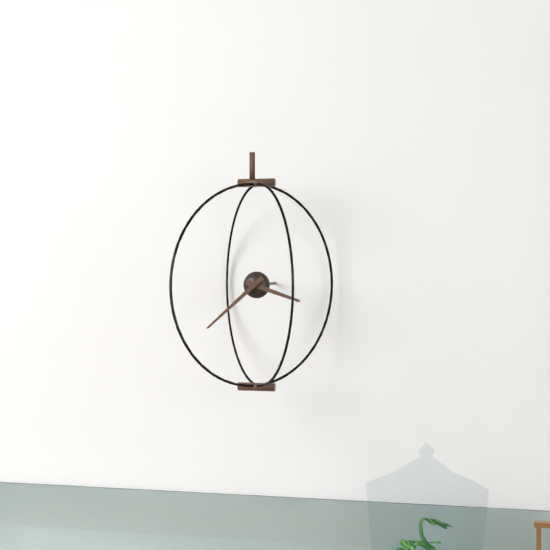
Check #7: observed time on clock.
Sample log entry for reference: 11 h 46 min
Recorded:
3 h 38 min
